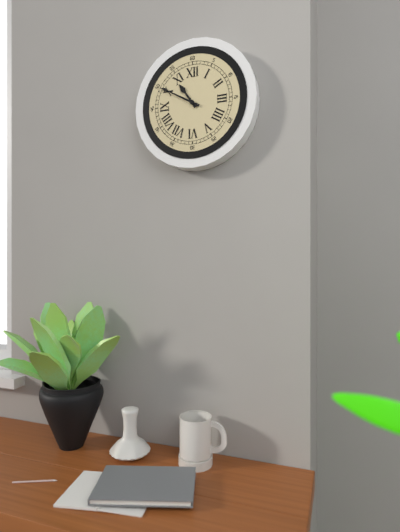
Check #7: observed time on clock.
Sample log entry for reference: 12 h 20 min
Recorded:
10 h 50 min
